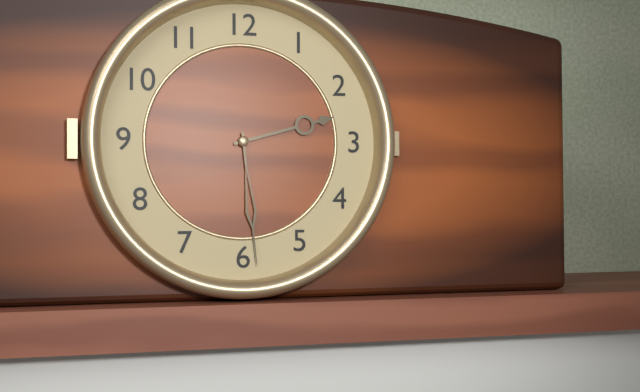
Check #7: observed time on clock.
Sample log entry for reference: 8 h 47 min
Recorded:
2 h 29 min
